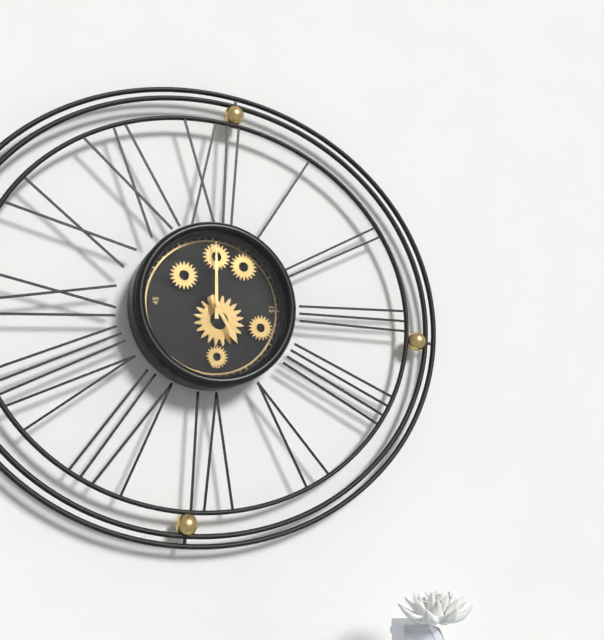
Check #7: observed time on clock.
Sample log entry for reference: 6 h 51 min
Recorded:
5 h 00 min
